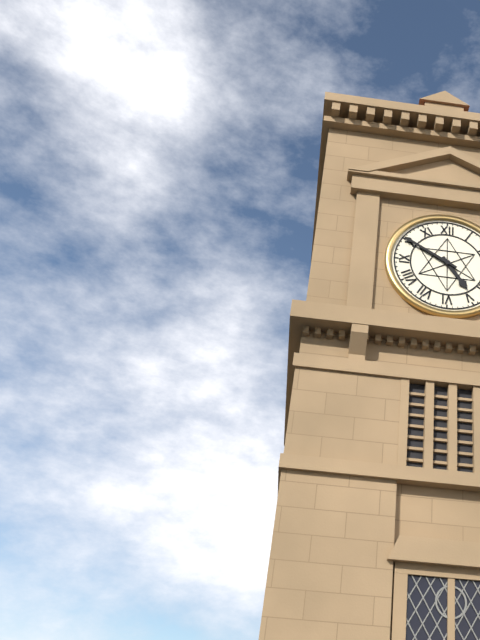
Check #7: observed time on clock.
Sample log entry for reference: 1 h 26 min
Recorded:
4 h 50 min
